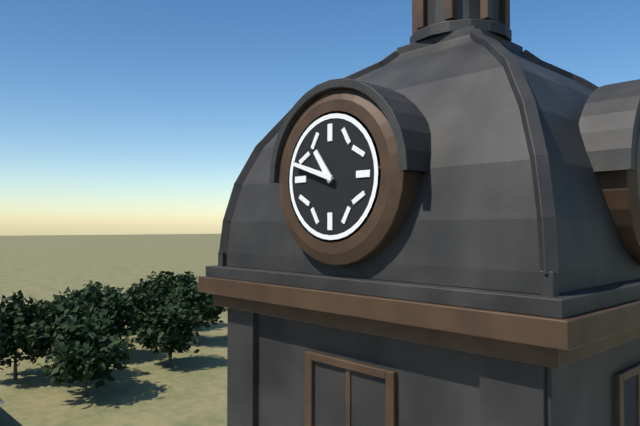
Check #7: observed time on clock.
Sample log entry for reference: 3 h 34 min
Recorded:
10 h 48 min
